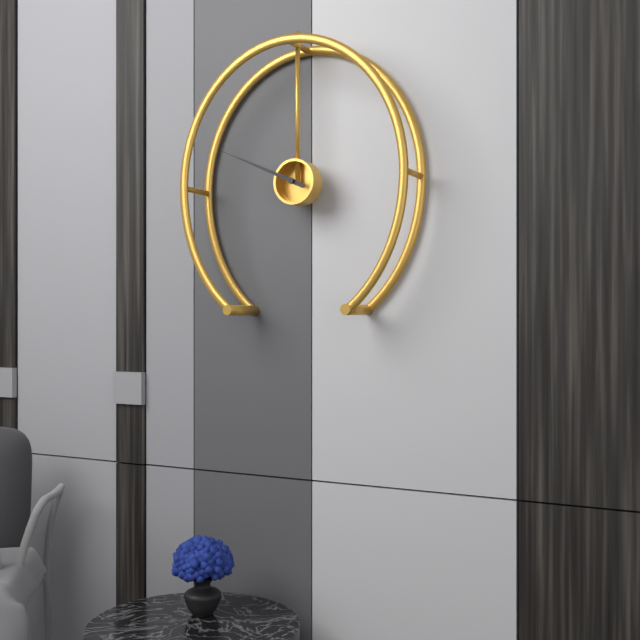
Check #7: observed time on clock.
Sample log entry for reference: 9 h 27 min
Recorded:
9 h 49 min
